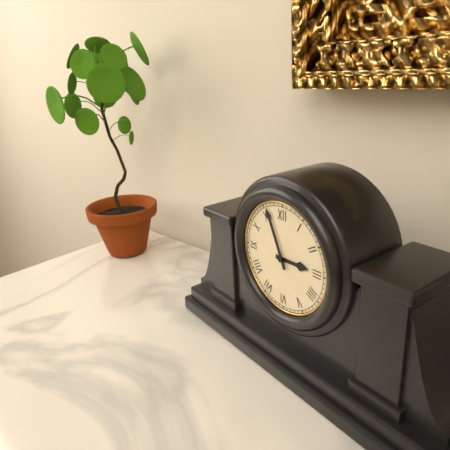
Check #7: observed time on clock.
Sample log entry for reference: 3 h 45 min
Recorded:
2 h 56 min
